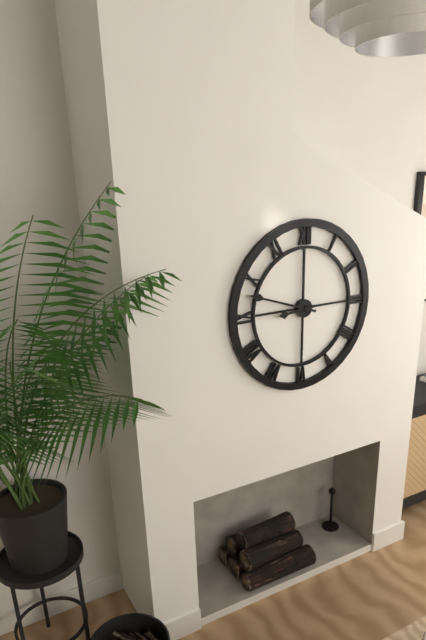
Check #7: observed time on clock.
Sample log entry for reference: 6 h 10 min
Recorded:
8 h 48 min
